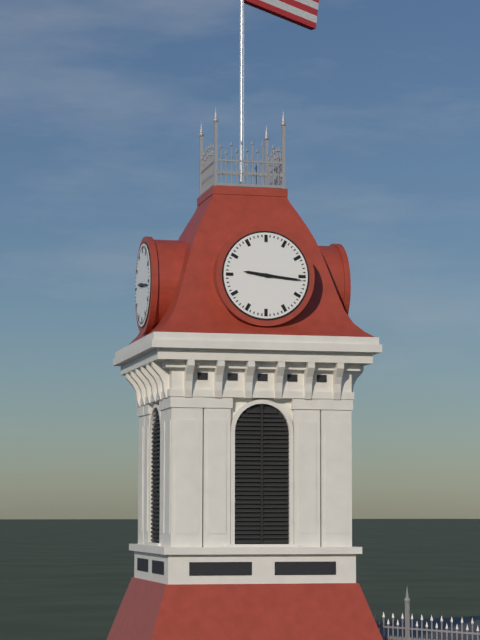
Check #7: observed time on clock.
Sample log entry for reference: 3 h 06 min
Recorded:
9 h 16 min
